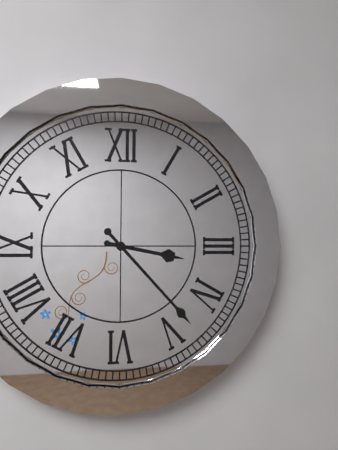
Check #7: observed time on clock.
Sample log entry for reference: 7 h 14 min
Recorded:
3 h 23 min
